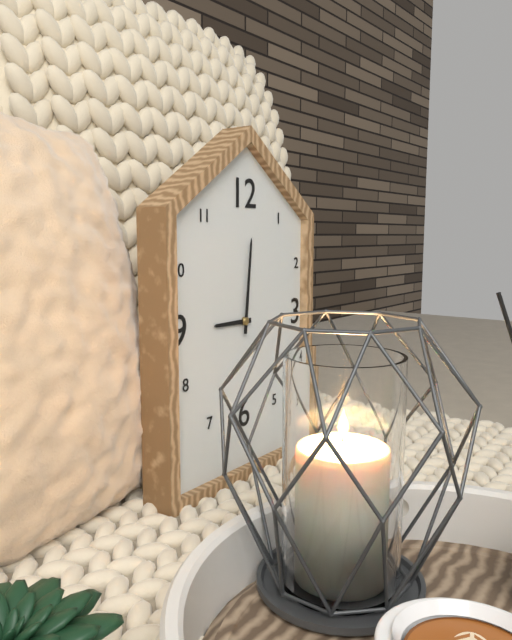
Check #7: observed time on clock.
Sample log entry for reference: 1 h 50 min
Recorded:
9 h 01 min
